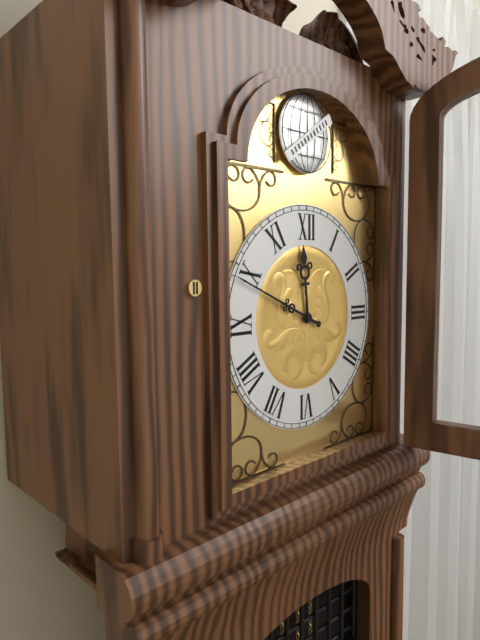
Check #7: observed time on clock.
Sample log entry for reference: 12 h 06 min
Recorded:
11 h 49 min
